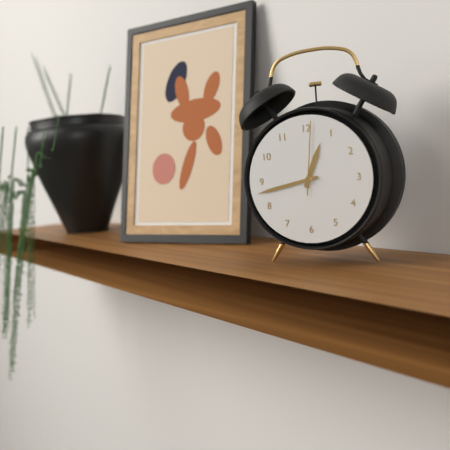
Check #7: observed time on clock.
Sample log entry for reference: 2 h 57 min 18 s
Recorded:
12 h 43 min 01 s
